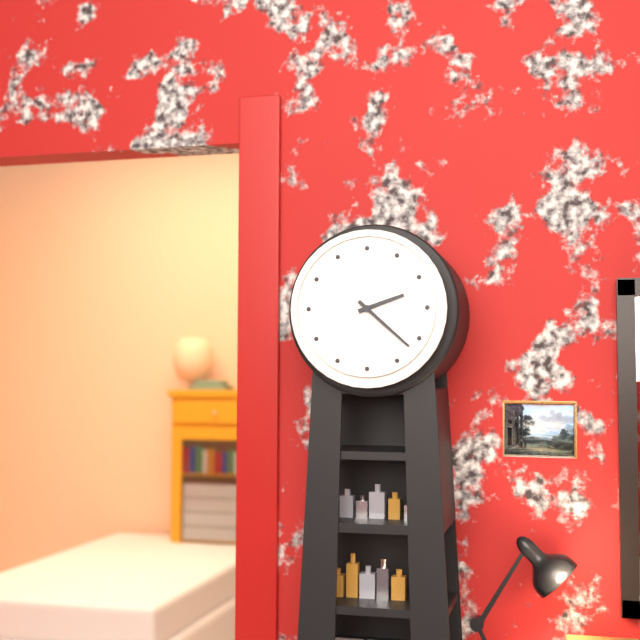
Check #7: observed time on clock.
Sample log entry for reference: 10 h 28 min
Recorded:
2 h 22 min
